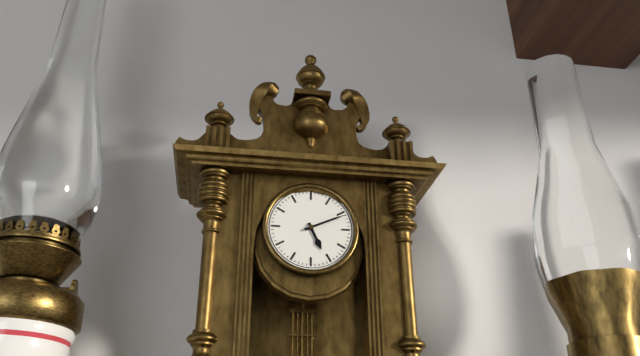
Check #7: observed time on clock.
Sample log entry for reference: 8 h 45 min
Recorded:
5 h 11 min
